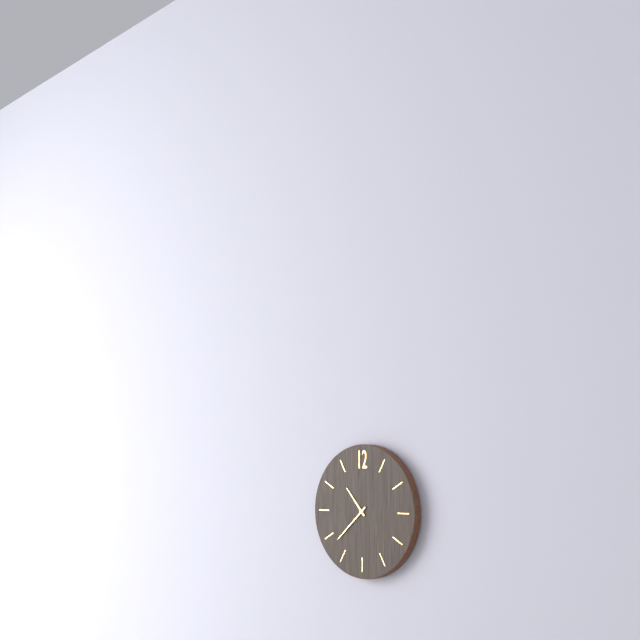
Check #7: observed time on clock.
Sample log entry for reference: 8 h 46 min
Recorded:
10 h 38 min
